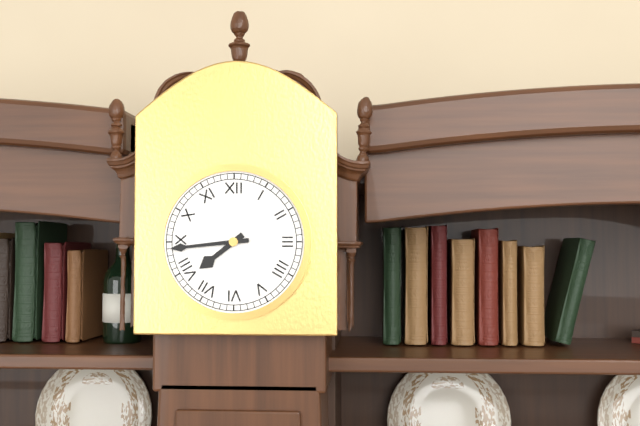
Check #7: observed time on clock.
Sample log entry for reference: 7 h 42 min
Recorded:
7 h 44 min
